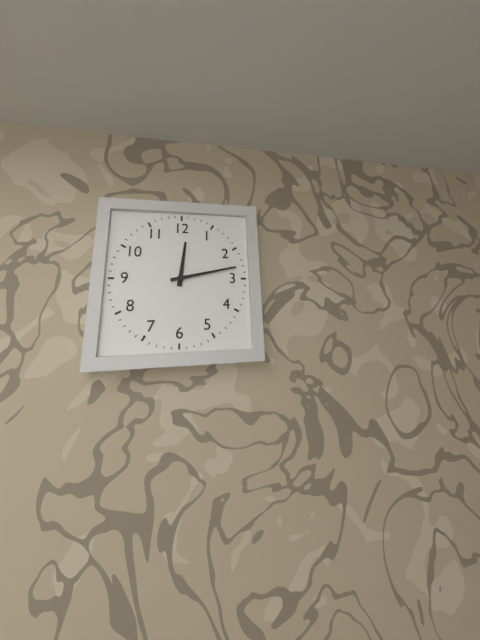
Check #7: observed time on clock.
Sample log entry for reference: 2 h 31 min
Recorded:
12 h 13 min
